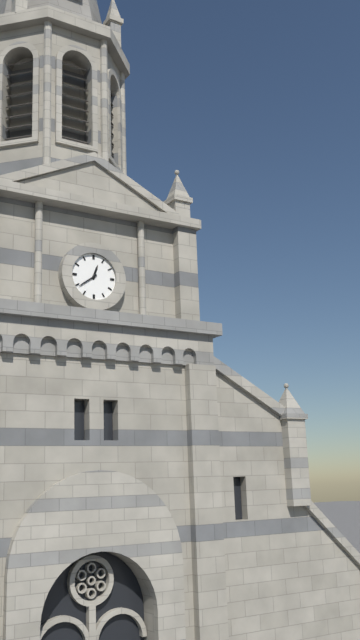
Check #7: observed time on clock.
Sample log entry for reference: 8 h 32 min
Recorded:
12 h 39 min
